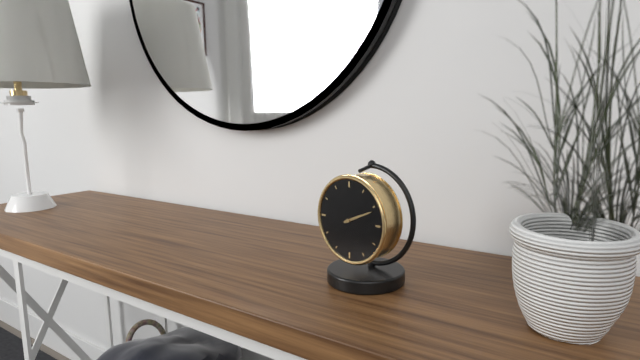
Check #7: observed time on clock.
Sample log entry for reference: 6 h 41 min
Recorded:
2 h 11 min
